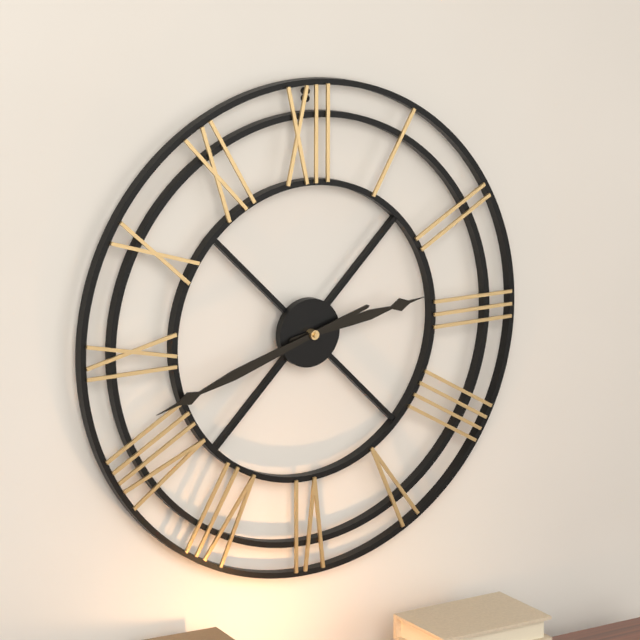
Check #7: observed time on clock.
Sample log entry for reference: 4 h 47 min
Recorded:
2 h 42 min
